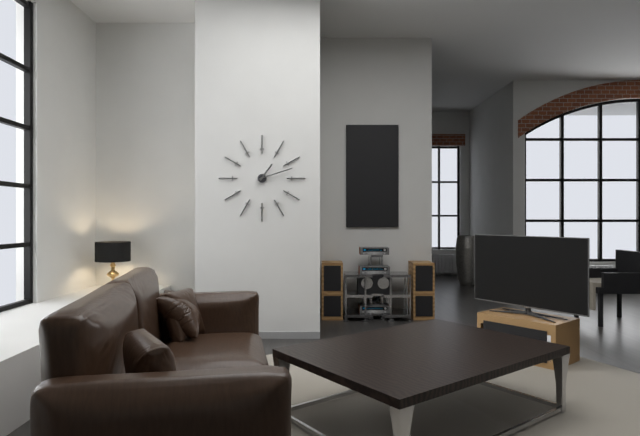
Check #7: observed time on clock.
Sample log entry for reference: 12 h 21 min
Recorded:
1 h 12 min
